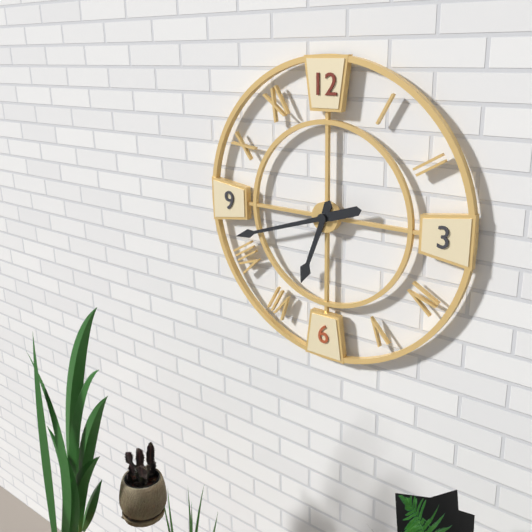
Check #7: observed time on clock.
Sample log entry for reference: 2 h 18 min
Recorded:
6 h 42 min
